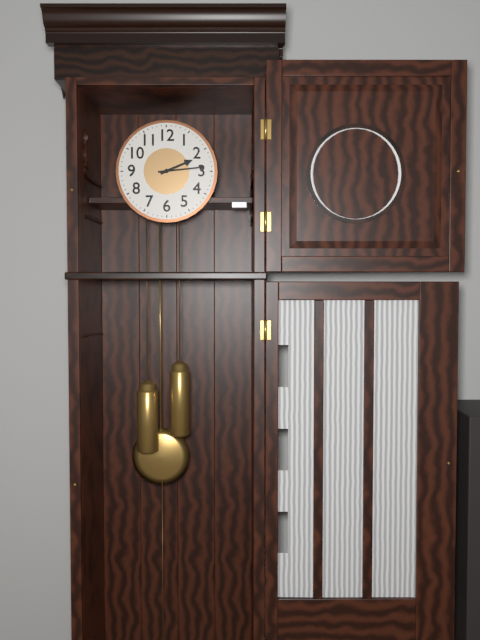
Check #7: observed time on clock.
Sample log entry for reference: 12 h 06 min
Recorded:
2 h 14 min
